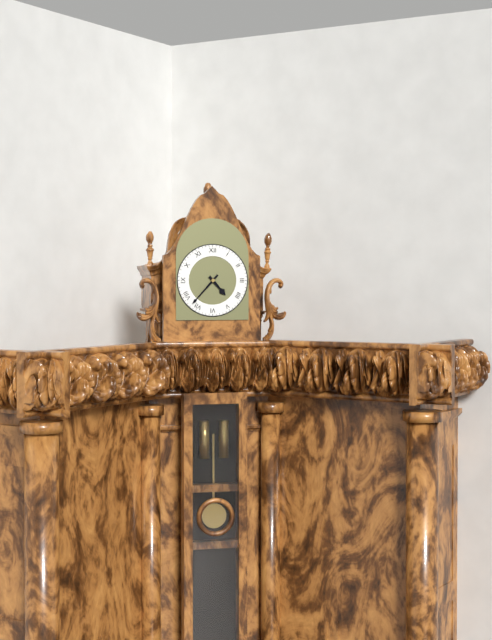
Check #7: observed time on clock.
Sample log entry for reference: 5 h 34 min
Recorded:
4 h 37 min
